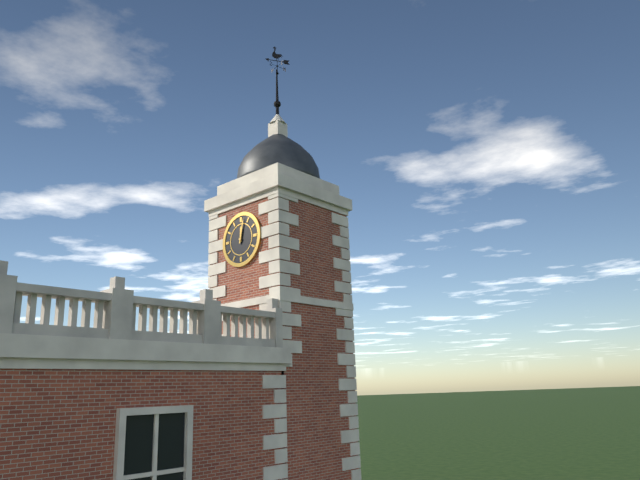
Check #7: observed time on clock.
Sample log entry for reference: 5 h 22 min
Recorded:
12 h 02 min
